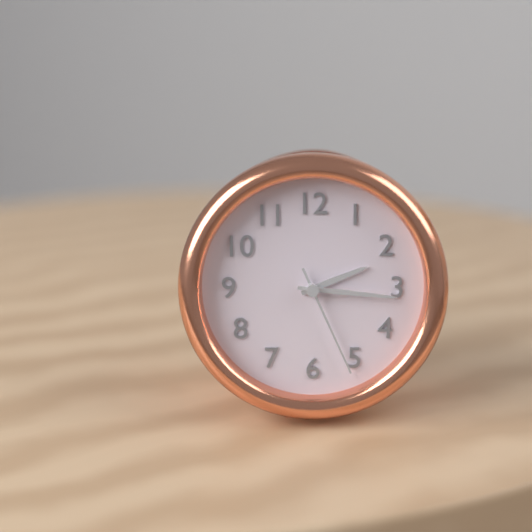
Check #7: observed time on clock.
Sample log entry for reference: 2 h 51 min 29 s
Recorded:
2 h 16 min 26 s
